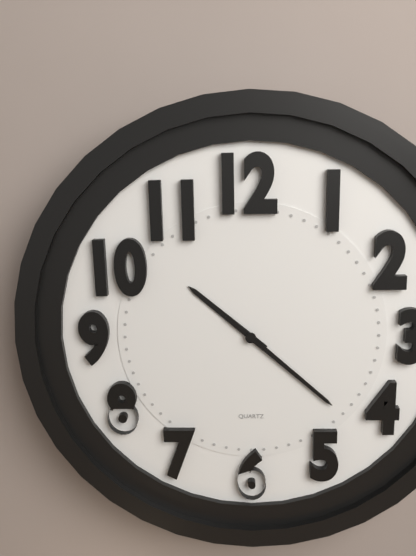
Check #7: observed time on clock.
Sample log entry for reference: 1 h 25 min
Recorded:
10 h 22 min
